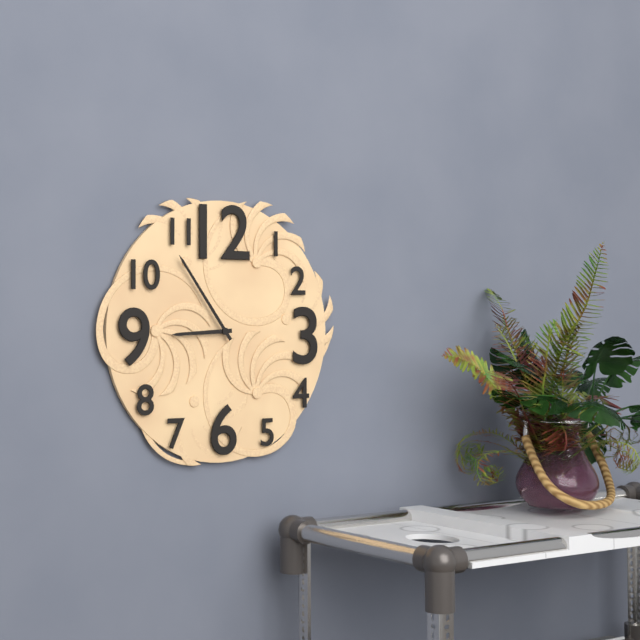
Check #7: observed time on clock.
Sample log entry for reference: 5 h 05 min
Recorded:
8 h 54 min
